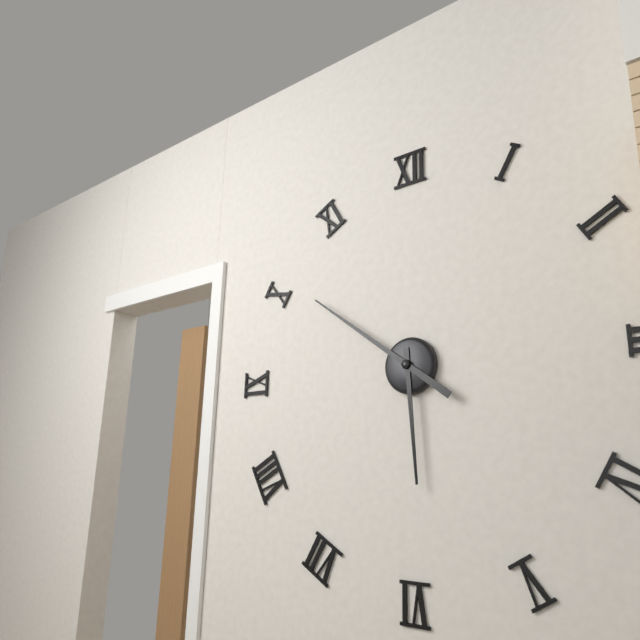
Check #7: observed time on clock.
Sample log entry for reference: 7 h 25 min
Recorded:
5 h 51 min
